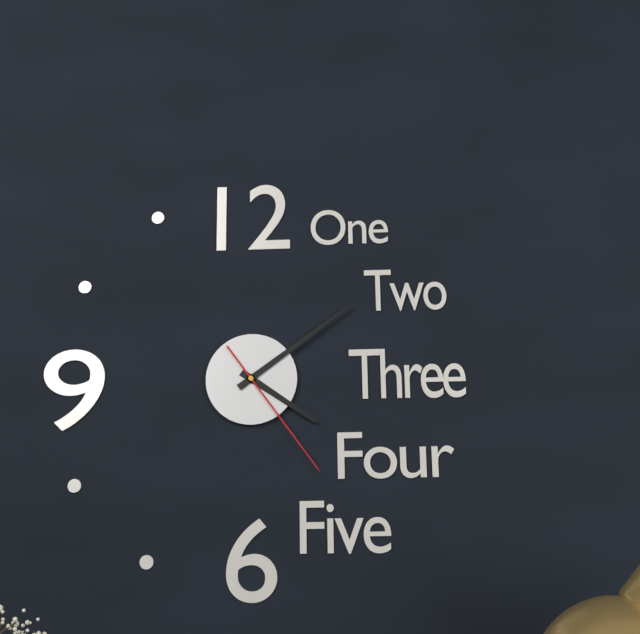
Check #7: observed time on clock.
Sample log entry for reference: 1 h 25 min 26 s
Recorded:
4 h 09 min 24 s
